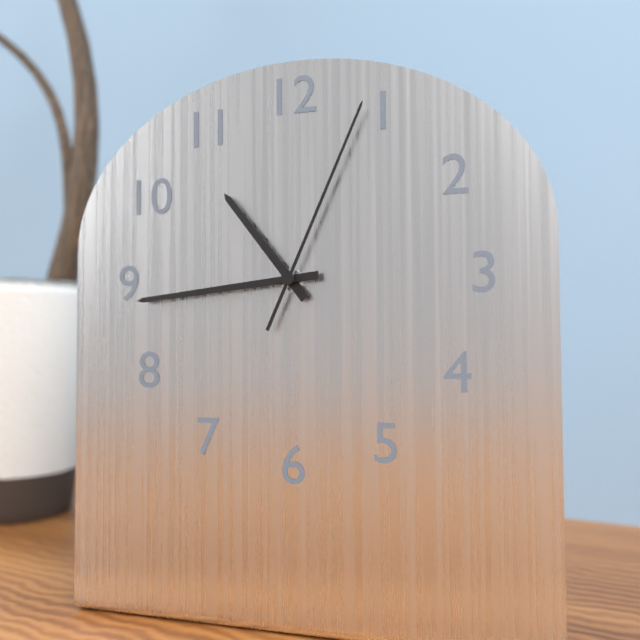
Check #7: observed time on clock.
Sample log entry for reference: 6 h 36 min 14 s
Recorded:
10 h 44 min 04 s
